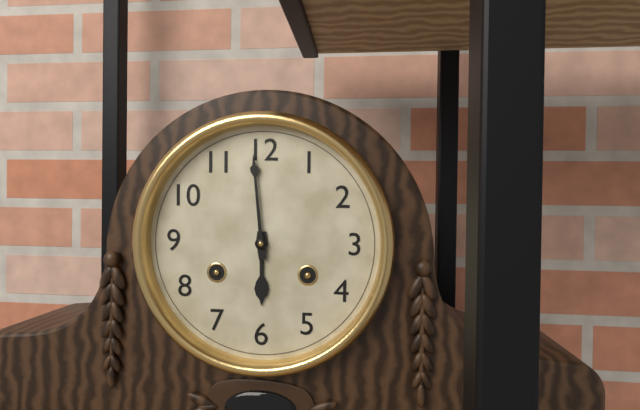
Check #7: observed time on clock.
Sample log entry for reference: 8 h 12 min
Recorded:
5 h 59 min
